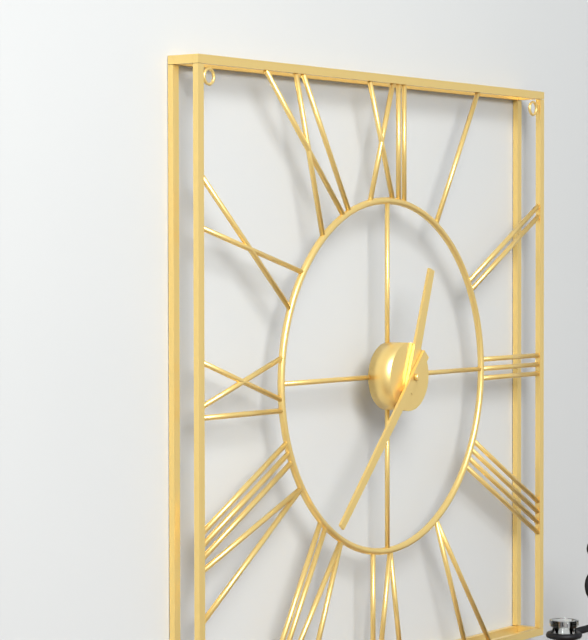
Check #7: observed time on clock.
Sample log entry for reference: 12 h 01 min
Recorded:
12 h 37 min
